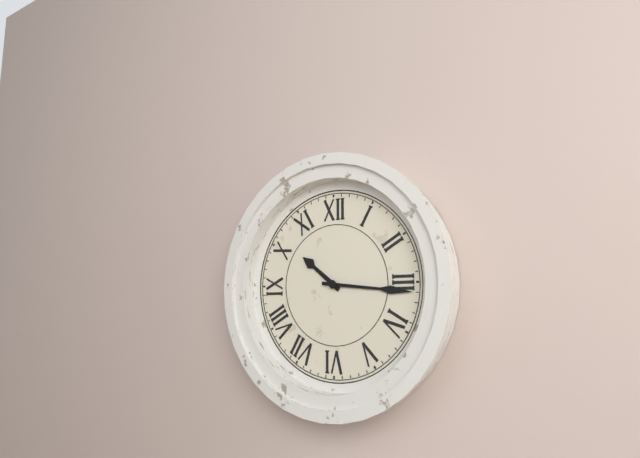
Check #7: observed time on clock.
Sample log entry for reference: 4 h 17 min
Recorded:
10 h 16 min
